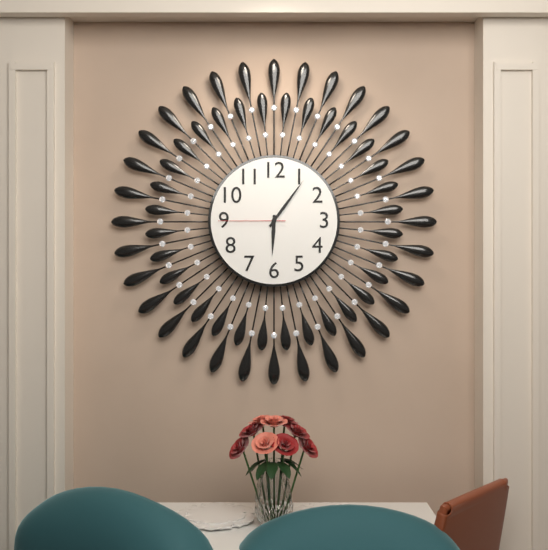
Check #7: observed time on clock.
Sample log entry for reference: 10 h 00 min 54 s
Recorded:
6 h 06 min 45 s
